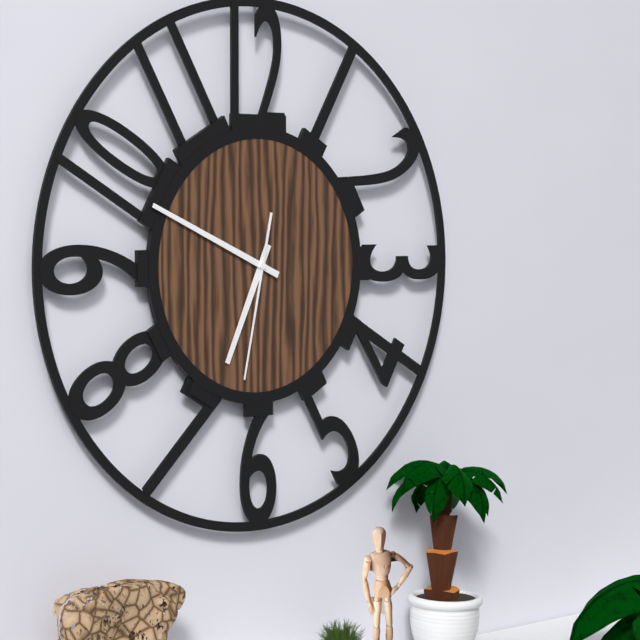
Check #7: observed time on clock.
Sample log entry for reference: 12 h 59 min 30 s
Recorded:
6 h 49 min 32 s
